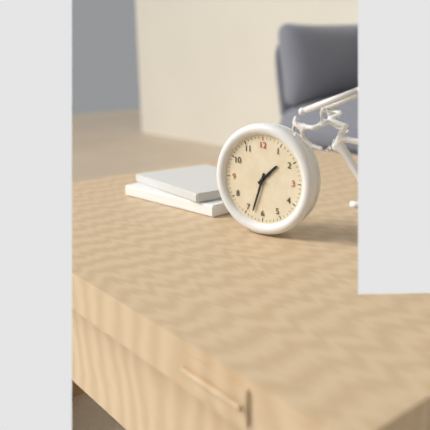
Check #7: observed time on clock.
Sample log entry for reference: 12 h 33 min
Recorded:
1 h 33 min
